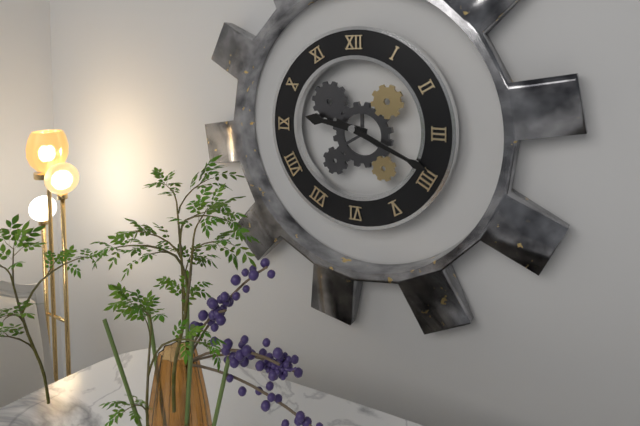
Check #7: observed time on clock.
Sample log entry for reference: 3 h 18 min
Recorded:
9 h 19 min
